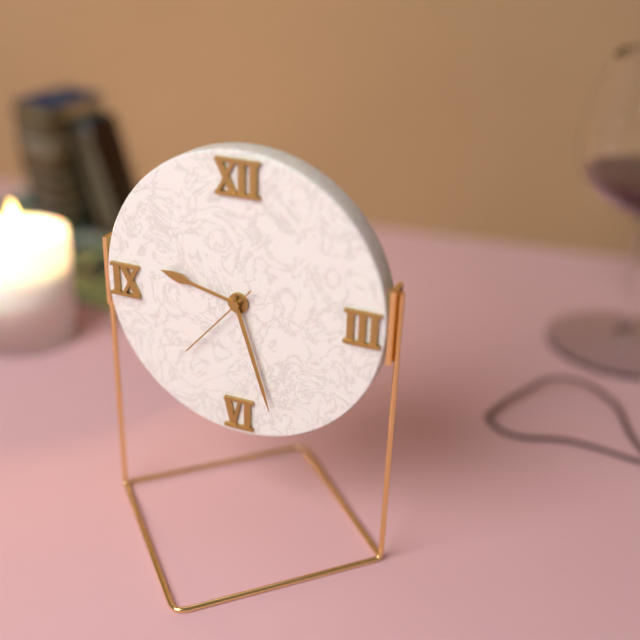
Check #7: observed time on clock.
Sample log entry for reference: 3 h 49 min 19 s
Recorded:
9 h 27 min 37 s
